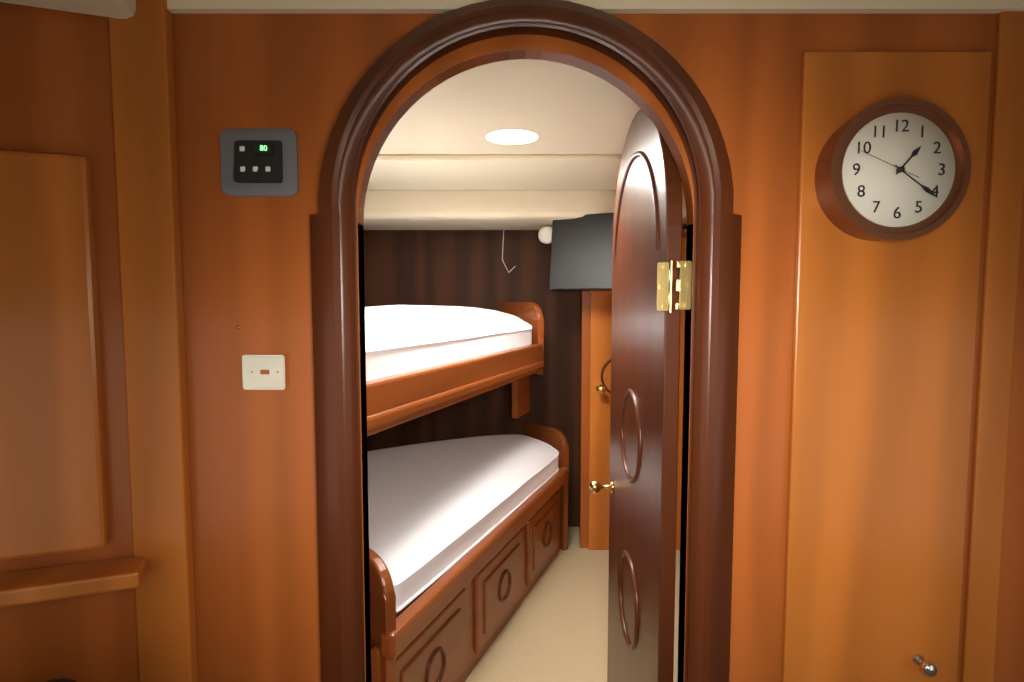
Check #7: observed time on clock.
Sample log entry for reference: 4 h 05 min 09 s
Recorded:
1 h 21 min 49 s
